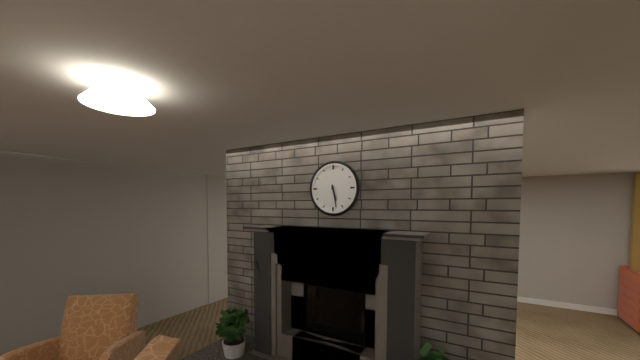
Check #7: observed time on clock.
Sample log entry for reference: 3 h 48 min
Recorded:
5 h 28 min
